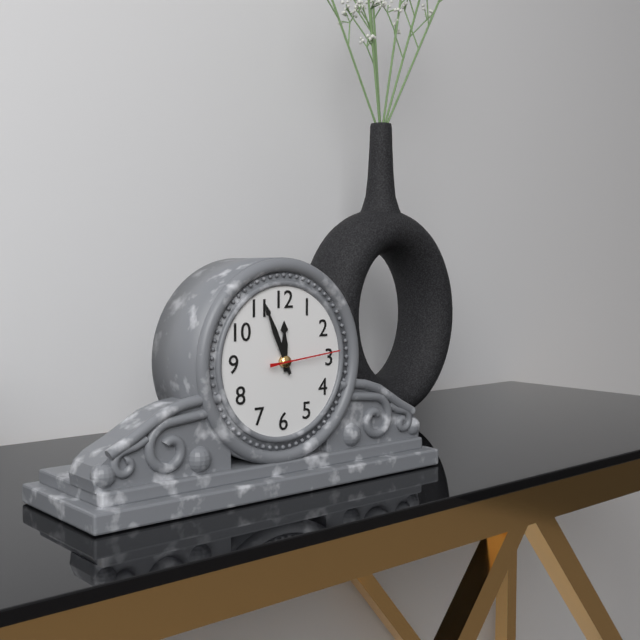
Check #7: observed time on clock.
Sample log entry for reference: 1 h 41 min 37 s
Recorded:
11 h 56 min 14 s
